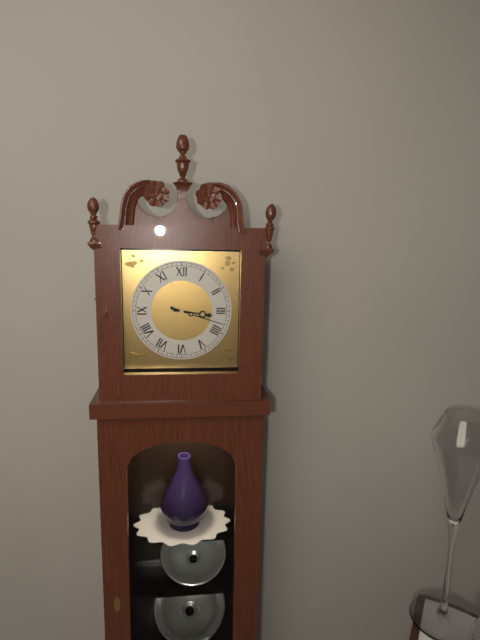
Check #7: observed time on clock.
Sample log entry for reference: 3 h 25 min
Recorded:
3 h 18 min
